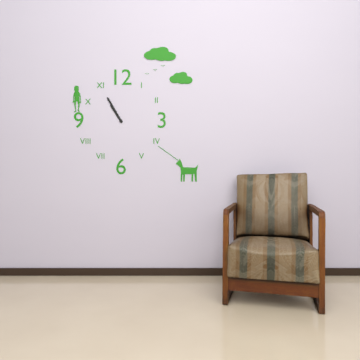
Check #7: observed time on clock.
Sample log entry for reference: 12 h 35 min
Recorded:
10 h 55 min
